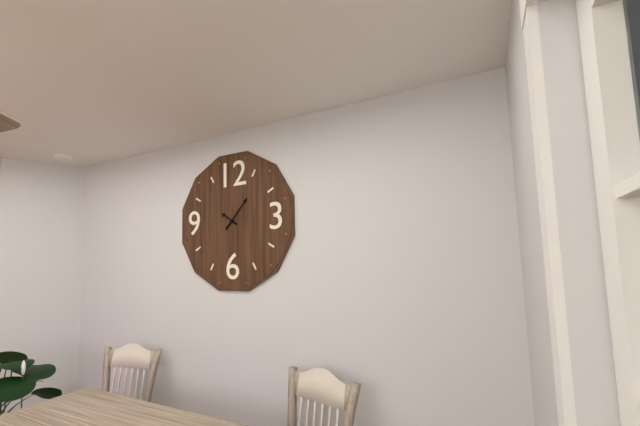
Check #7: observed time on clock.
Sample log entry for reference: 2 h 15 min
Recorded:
10 h 07 min
